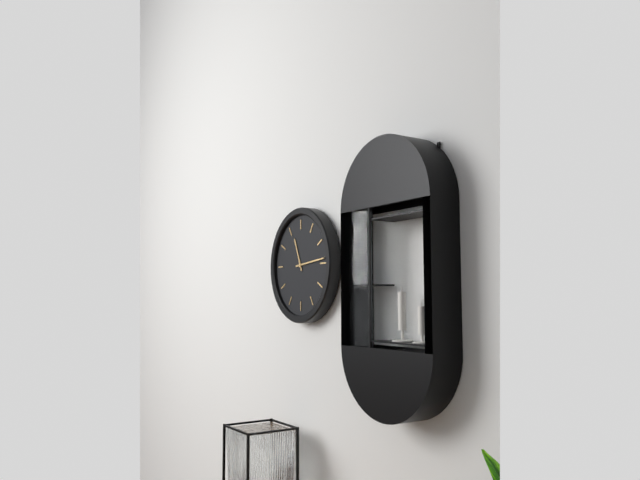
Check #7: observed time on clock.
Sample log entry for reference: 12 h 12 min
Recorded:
11 h 14 min
